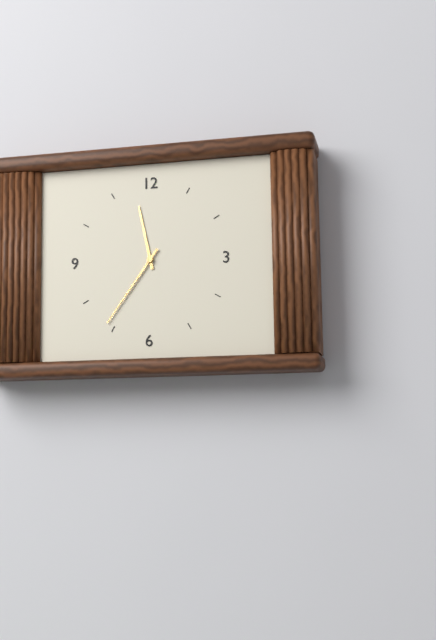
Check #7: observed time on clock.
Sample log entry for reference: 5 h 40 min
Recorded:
11 h 36 min
